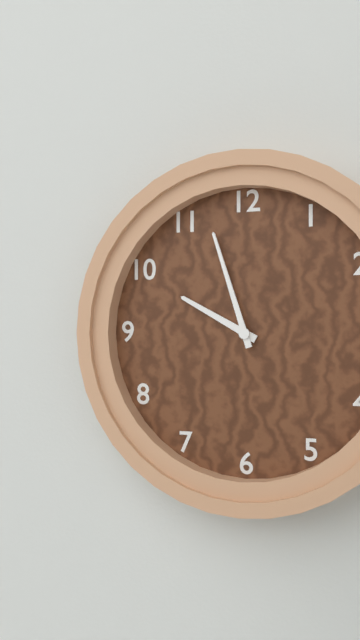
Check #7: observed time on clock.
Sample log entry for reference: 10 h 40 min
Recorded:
9 h 57 min
